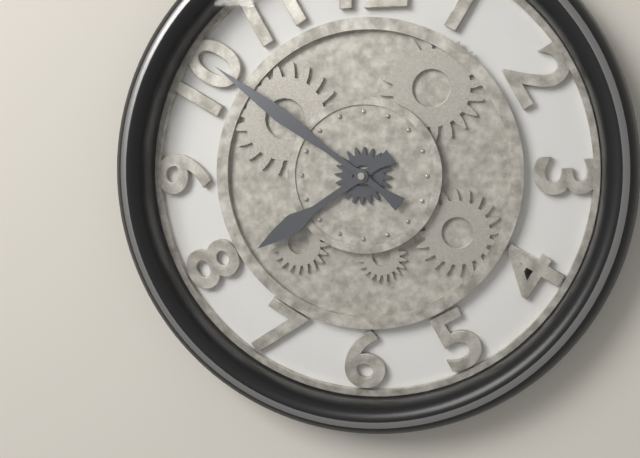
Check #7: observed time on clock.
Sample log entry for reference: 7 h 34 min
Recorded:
7 h 51 min
